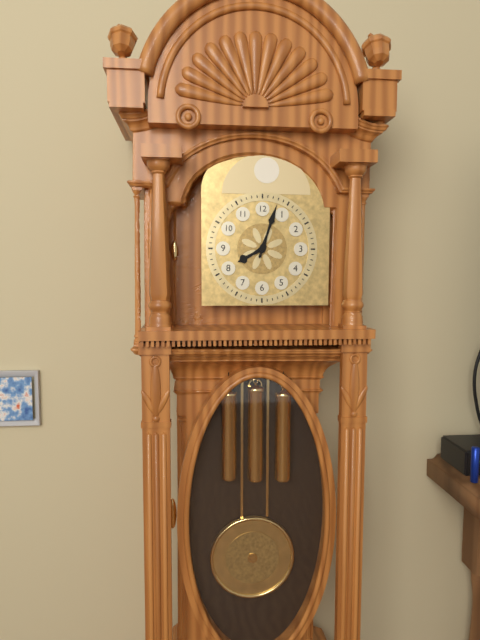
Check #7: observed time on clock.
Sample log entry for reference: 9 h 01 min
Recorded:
8 h 03 min
